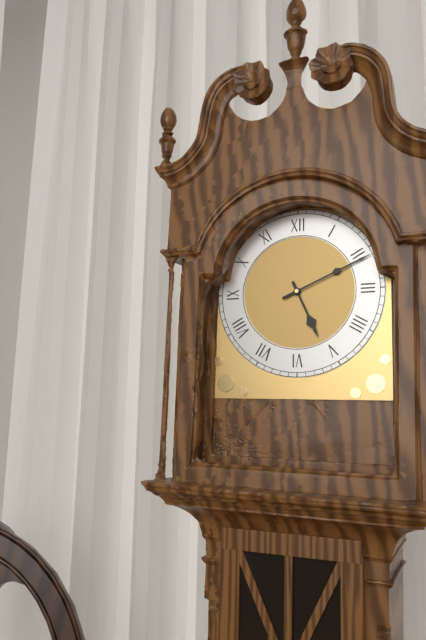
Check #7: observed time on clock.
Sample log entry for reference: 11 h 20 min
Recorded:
5 h 11 min
